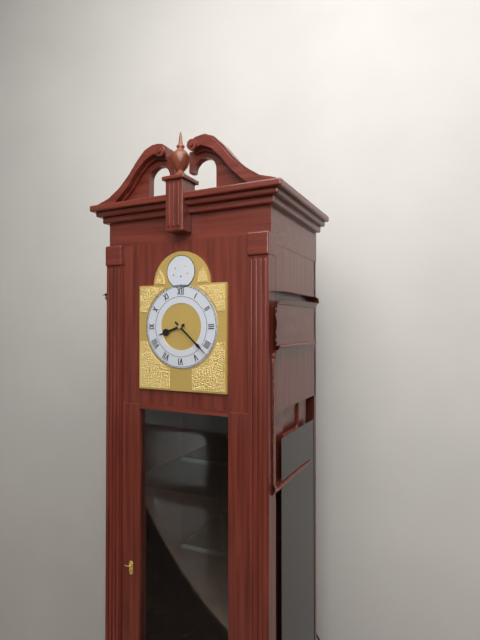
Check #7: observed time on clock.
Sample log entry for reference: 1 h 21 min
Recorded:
8 h 22 min
